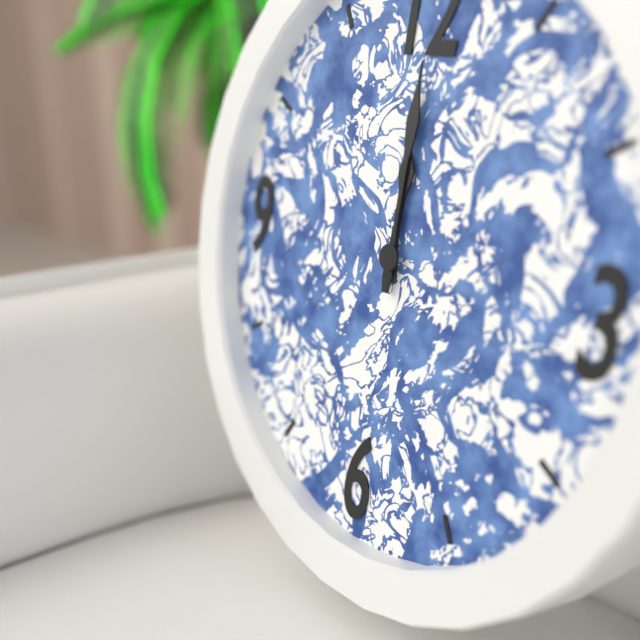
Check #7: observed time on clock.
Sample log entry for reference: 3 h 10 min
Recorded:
12 h 00 min
